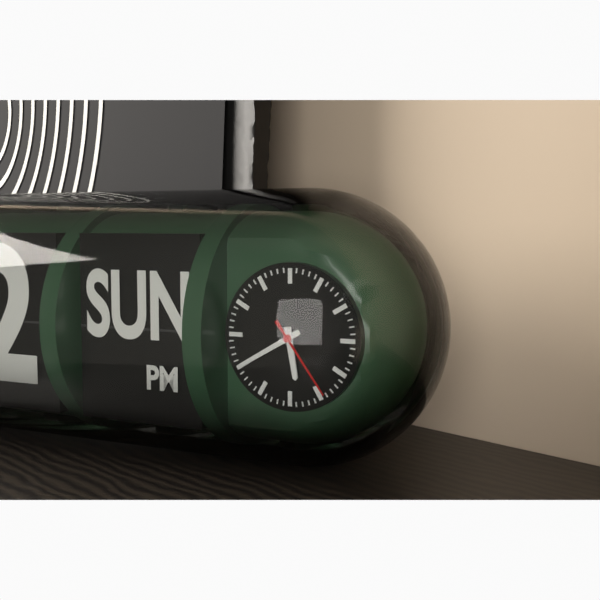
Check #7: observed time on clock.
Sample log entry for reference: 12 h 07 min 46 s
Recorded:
5 h 40 min 24 s
